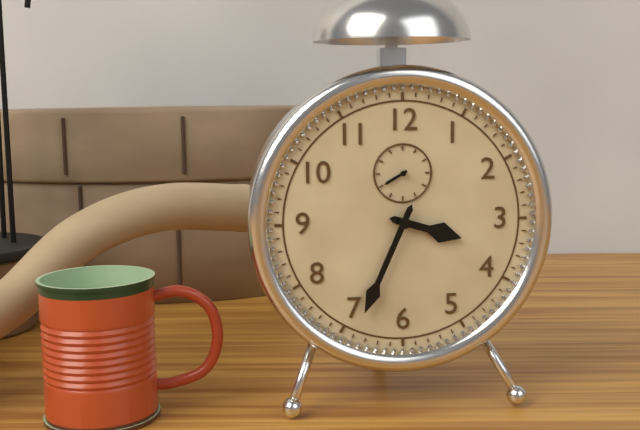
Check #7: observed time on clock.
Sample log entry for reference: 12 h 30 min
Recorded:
3 h 34 min
